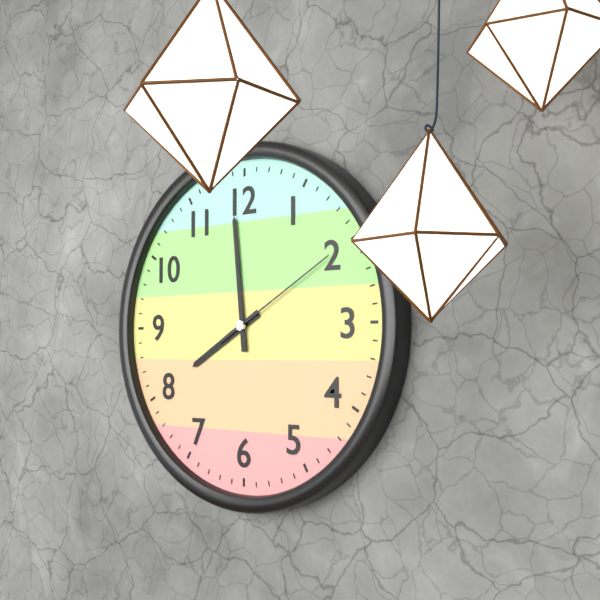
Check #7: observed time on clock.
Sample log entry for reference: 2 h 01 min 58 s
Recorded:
7 h 59 min 10 s
